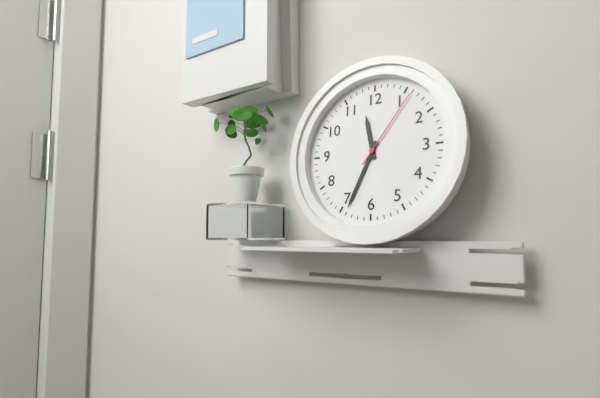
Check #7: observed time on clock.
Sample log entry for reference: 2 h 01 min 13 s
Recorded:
11 h 34 min 06 s
